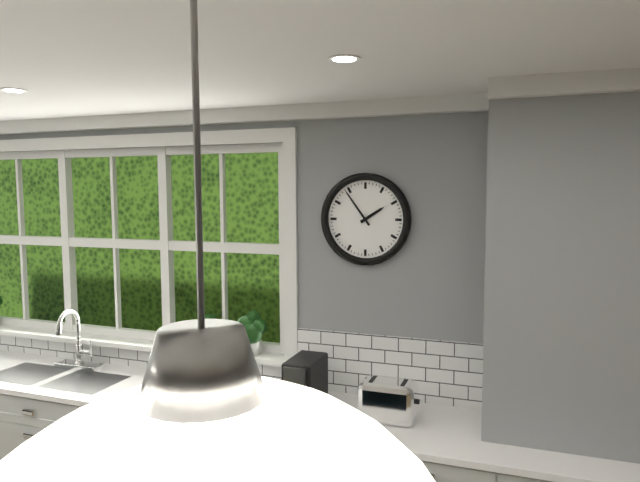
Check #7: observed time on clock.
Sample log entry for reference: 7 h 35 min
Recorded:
1 h 54 min
